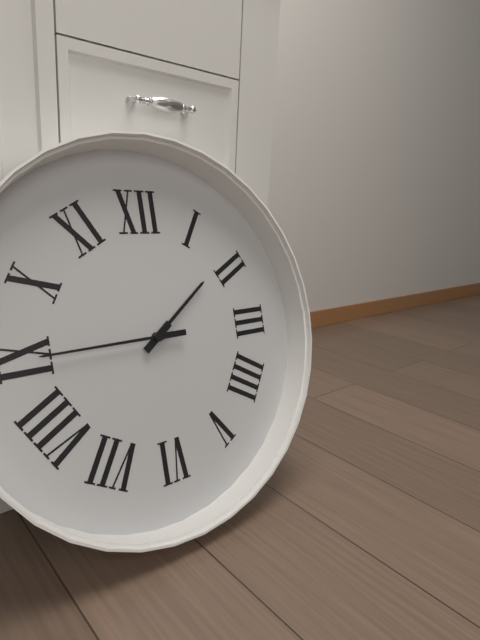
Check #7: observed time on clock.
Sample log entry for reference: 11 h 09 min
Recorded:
1 h 45 min
